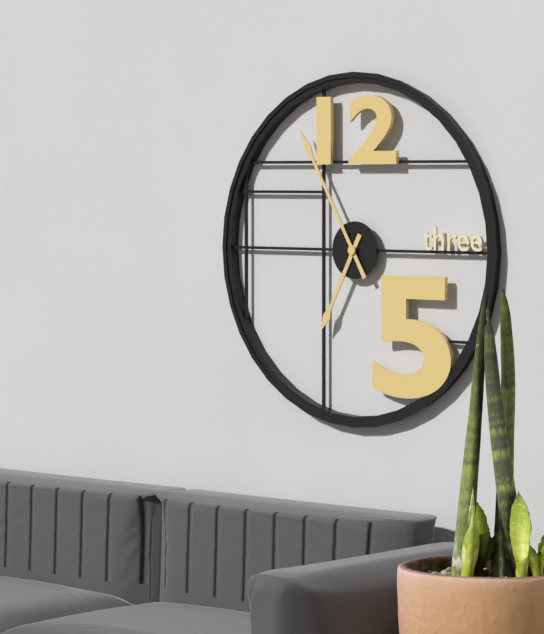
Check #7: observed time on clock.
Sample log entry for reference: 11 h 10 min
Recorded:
6 h 55 min
